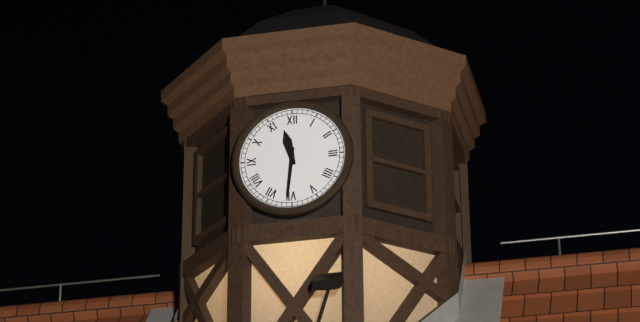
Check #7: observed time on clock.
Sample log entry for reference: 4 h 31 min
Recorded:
11 h 31 min
